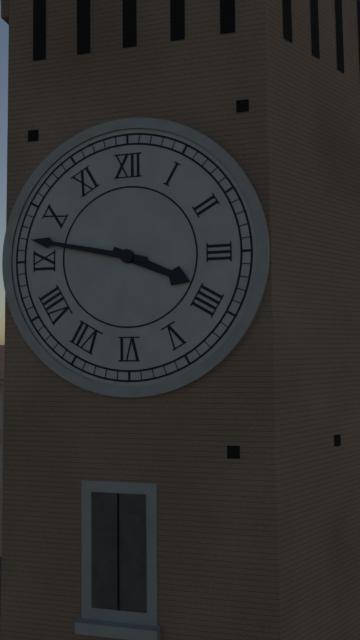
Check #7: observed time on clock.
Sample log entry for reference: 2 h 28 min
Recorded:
3 h 47 min
